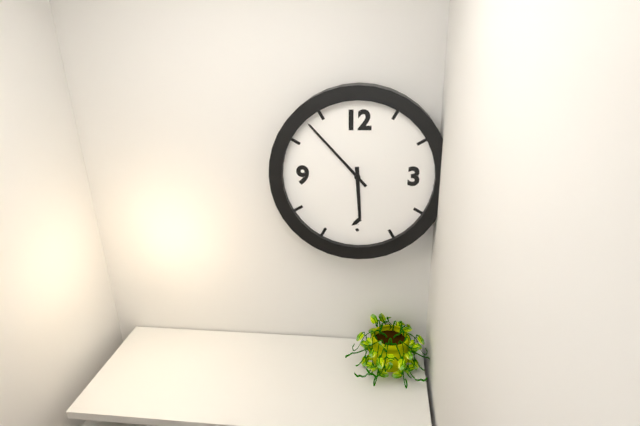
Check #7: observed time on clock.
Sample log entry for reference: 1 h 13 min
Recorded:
5 h 53 min
